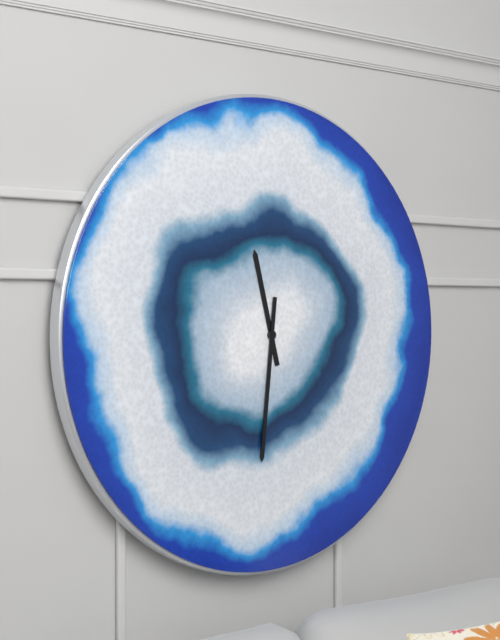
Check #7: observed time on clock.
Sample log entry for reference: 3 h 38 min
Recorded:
11 h 31 min
